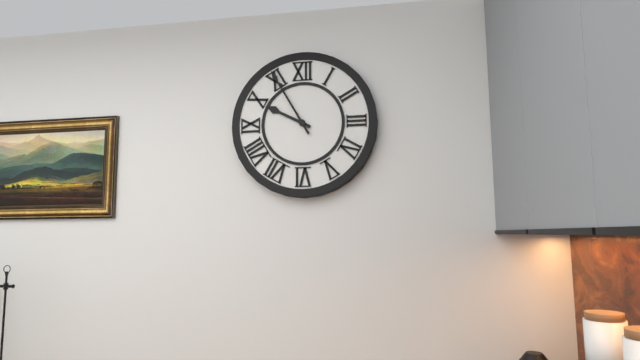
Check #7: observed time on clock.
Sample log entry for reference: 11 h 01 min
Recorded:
9 h 55 min
